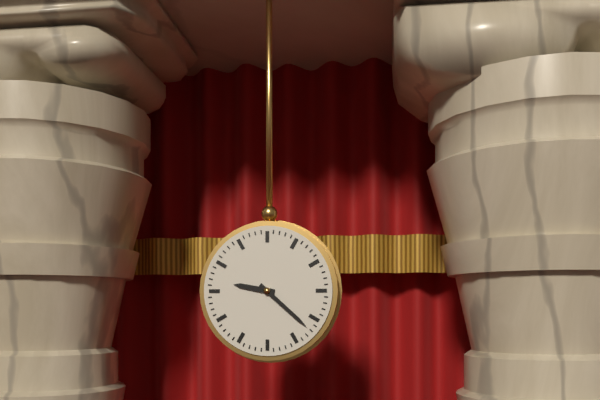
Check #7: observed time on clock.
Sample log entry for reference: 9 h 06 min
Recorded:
9 h 22 min
